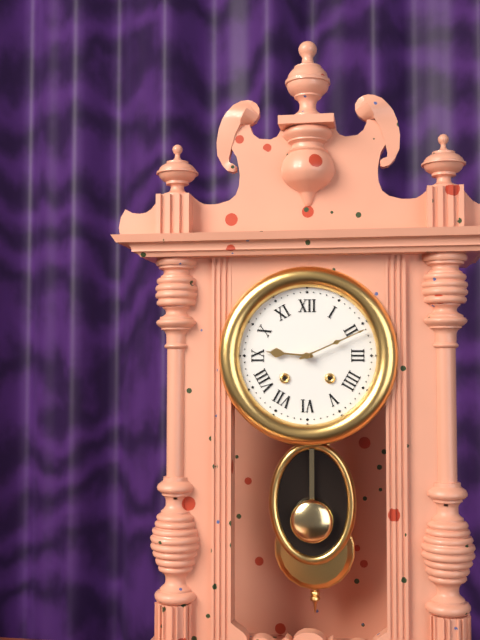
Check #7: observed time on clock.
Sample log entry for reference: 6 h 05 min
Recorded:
9 h 11 min
